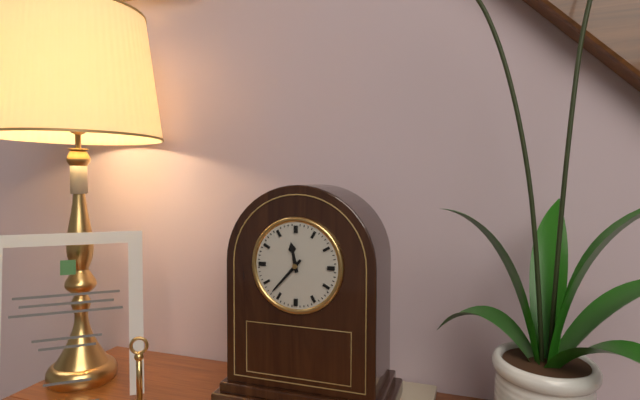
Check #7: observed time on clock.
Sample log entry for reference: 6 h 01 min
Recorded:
11 h 37 min
